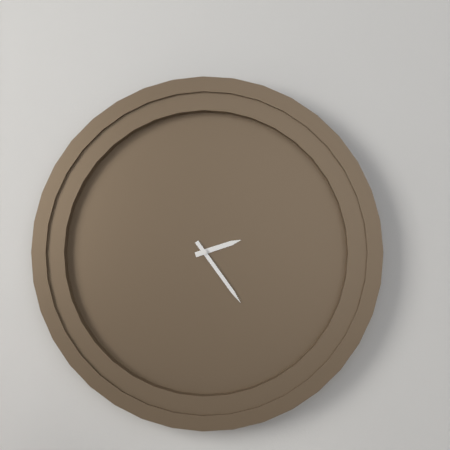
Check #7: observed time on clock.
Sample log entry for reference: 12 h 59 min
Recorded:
2 h 24 min
